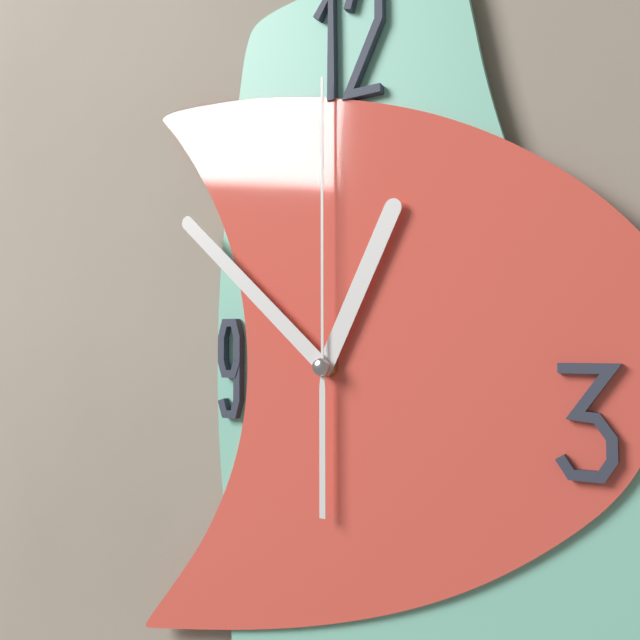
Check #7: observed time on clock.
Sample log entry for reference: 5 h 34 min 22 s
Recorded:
12 h 52 min 00 s
